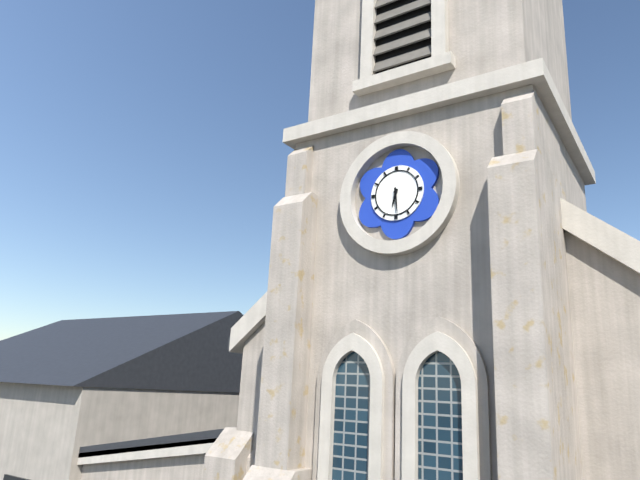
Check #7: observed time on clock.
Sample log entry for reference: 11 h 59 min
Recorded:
6 h 29 min
